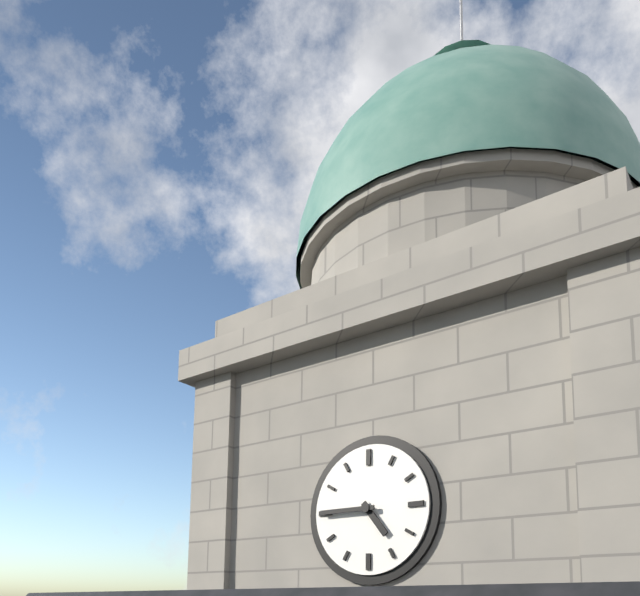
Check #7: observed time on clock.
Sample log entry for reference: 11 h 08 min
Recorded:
4 h 45 min
